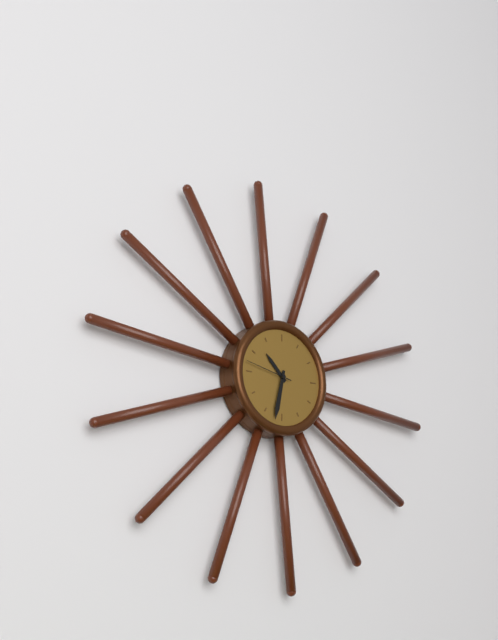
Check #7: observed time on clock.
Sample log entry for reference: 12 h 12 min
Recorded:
10 h 32 min
